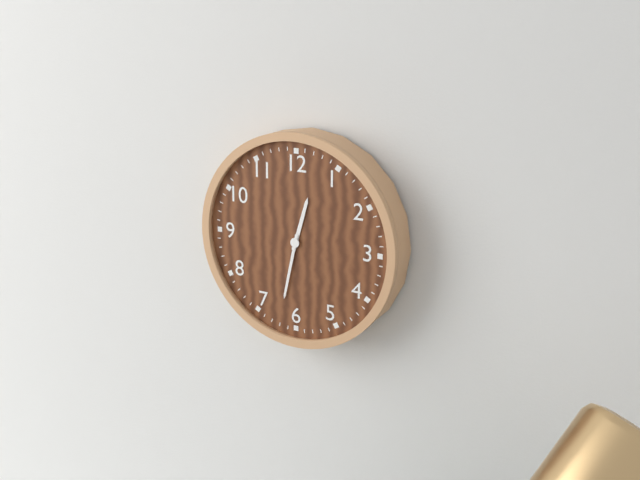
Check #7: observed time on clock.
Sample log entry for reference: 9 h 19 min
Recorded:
12 h 32 min
